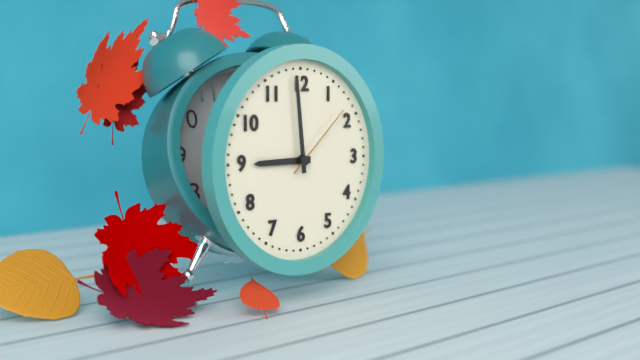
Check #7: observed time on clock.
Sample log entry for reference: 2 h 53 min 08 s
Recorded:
8 h 59 min 08 s
